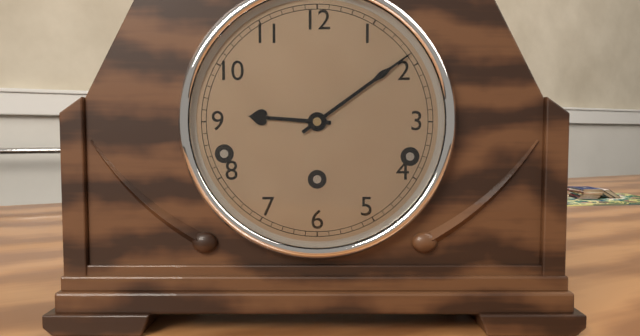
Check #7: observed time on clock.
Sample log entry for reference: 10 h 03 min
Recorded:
9 h 09 min
